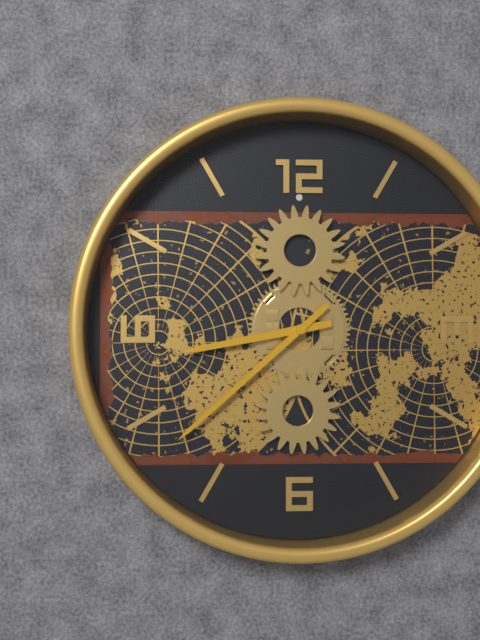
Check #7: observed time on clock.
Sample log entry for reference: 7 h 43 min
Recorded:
8 h 38 min
